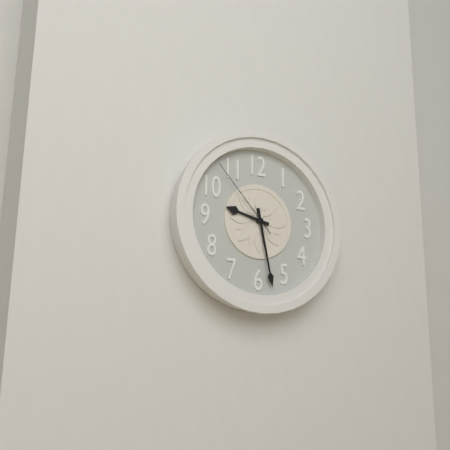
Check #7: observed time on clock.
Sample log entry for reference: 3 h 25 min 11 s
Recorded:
9 h 28 min 53 s
